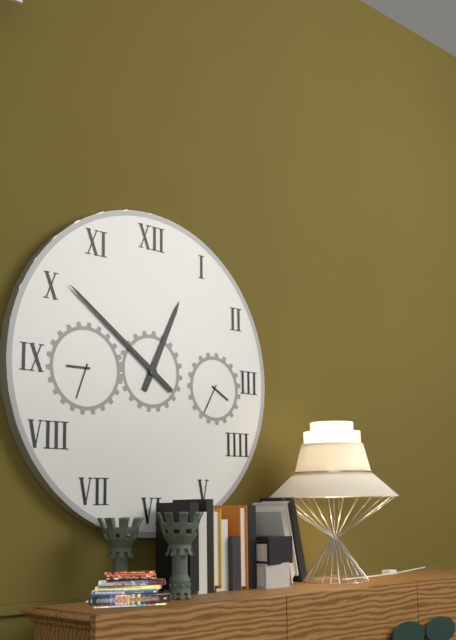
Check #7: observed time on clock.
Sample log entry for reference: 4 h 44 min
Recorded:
12 h 51 min
